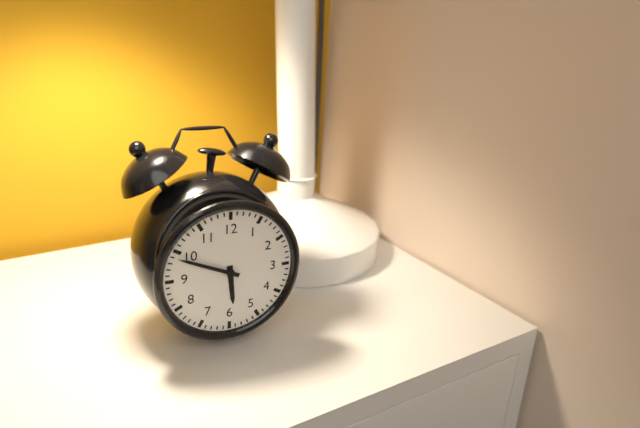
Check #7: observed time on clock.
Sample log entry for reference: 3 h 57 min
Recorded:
5 h 49 min
